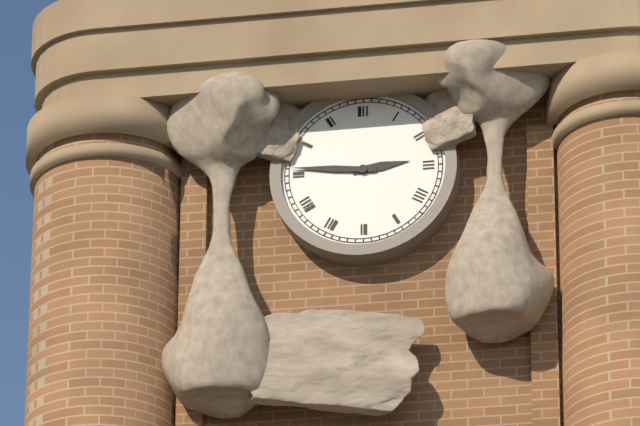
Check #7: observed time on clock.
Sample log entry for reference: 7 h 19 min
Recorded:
2 h 46 min
